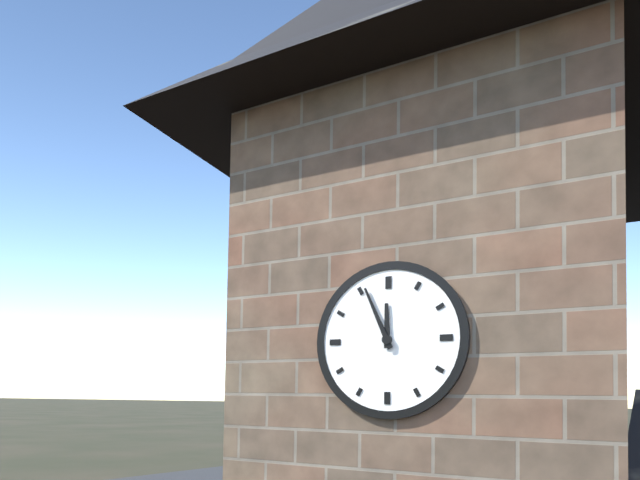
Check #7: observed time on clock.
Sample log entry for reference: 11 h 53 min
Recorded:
11 h 56 min
